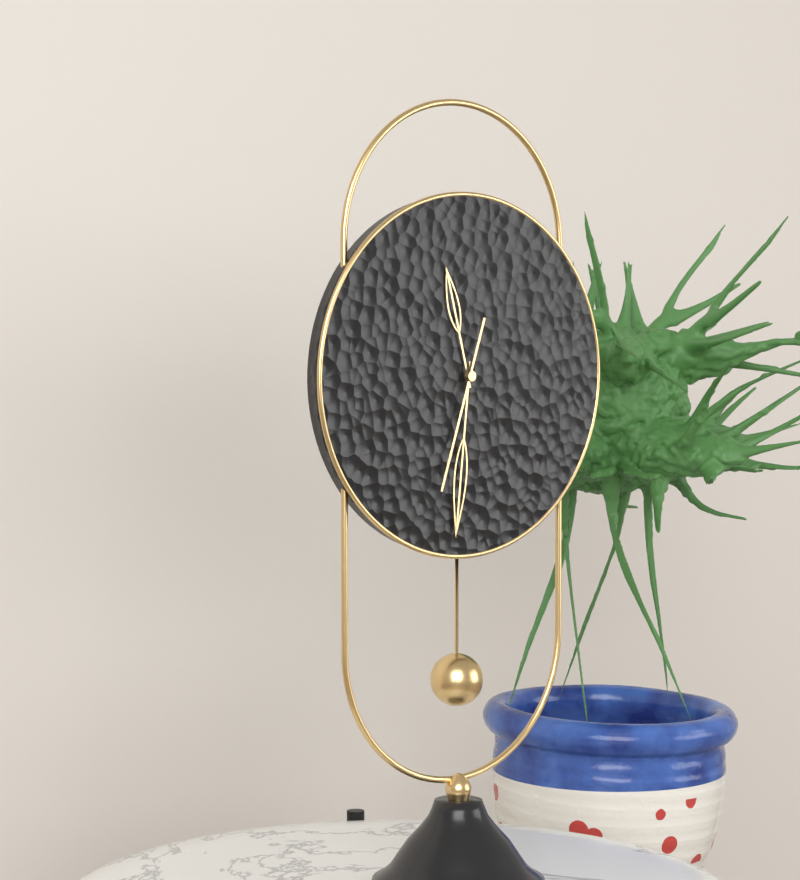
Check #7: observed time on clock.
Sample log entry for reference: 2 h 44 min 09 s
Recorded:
11 h 31 min 33 s
